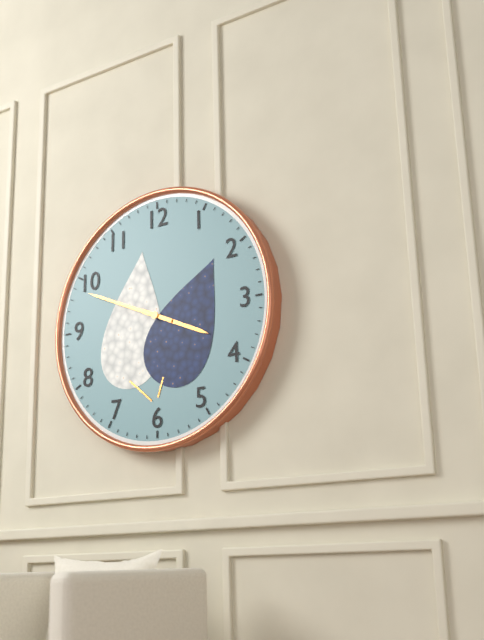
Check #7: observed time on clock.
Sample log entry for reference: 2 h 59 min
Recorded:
3 h 49 min
